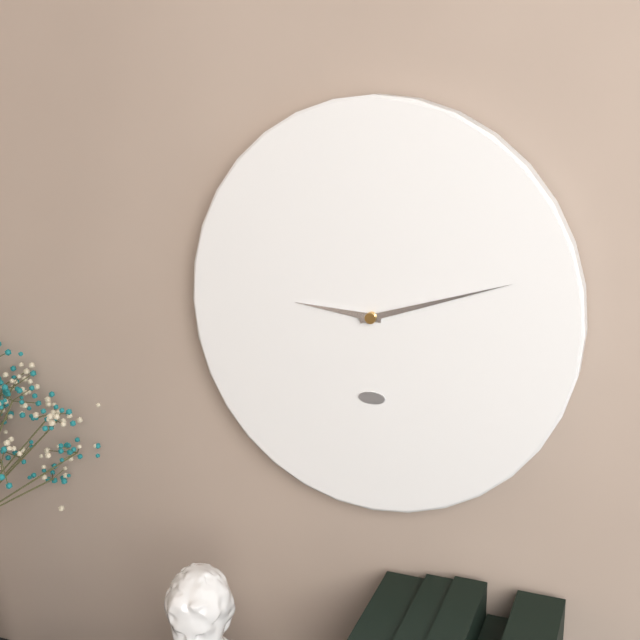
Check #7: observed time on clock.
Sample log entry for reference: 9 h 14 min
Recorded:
9 h 12 min
